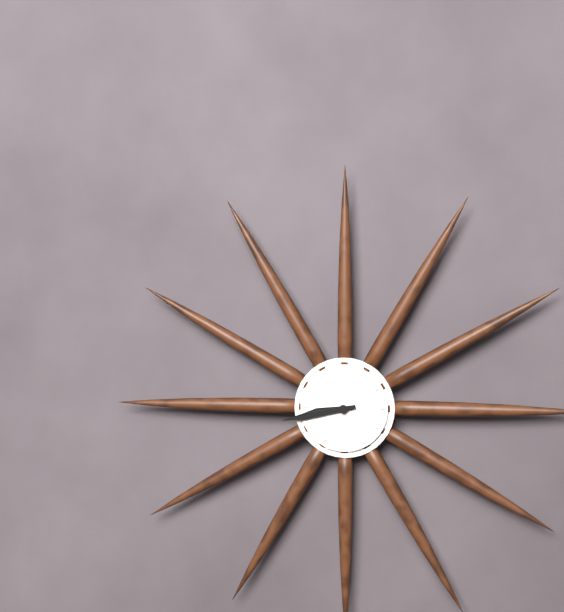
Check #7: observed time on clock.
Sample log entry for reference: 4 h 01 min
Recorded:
8 h 43 min
